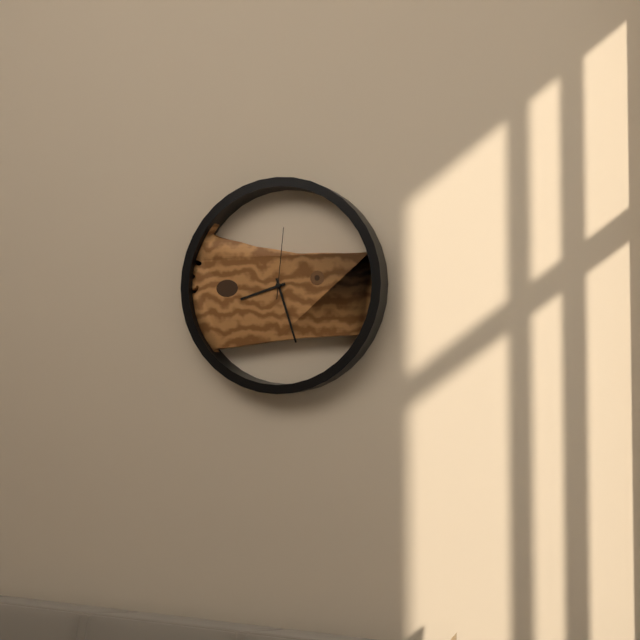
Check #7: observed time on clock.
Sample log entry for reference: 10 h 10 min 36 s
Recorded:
8 h 27 min 01 s
